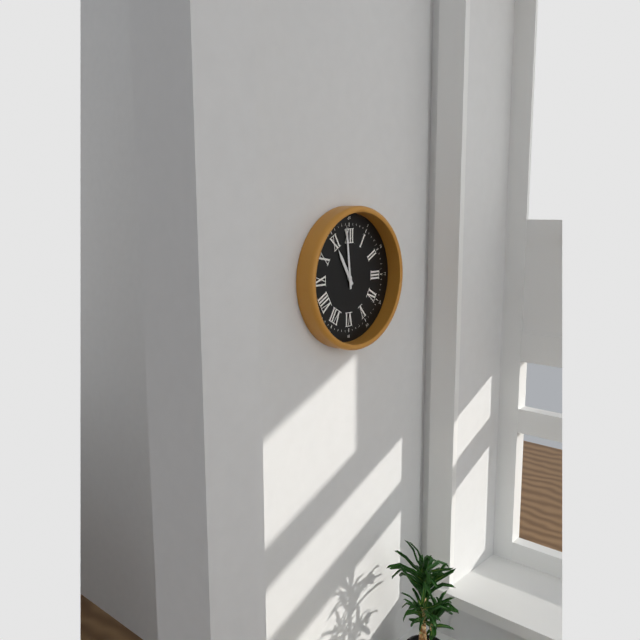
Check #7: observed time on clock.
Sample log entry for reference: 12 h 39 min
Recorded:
10 h 59 min
